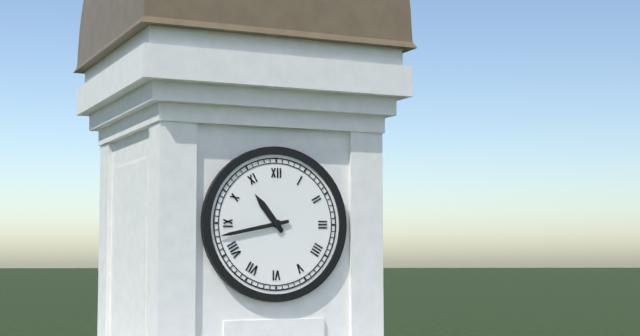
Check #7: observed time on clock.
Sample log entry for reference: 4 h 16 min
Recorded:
10 h 43 min
